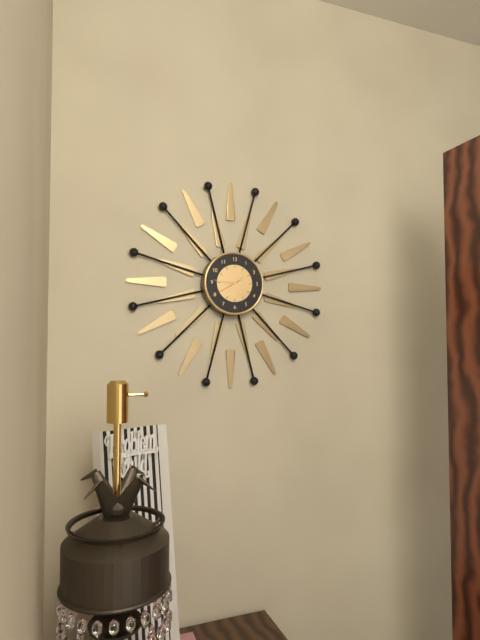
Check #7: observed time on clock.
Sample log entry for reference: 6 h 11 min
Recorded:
1 h 46 min
